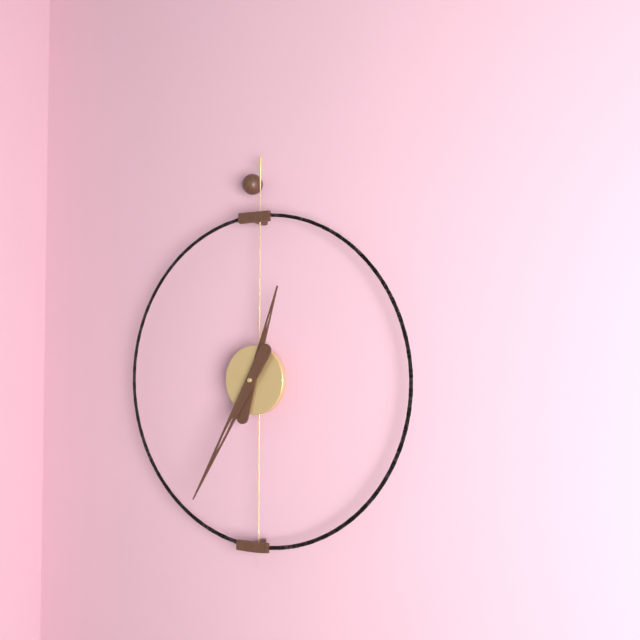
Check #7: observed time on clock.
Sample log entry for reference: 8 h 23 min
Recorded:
12 h 35 min
